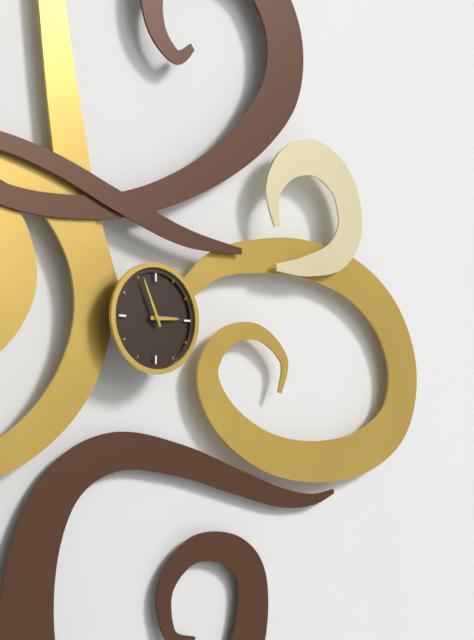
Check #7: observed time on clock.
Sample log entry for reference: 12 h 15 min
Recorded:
2 h 56 min
